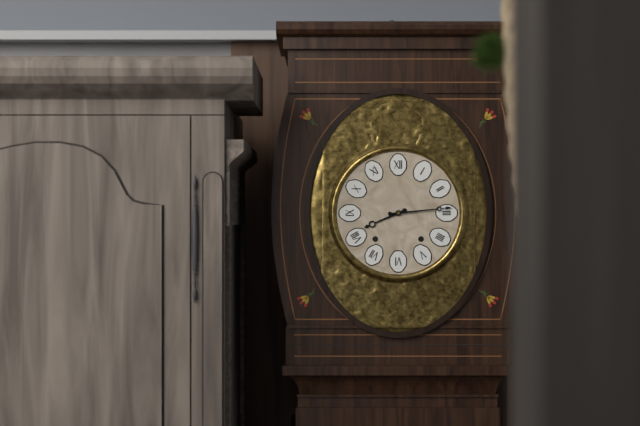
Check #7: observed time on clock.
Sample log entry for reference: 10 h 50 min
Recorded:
8 h 14 min
